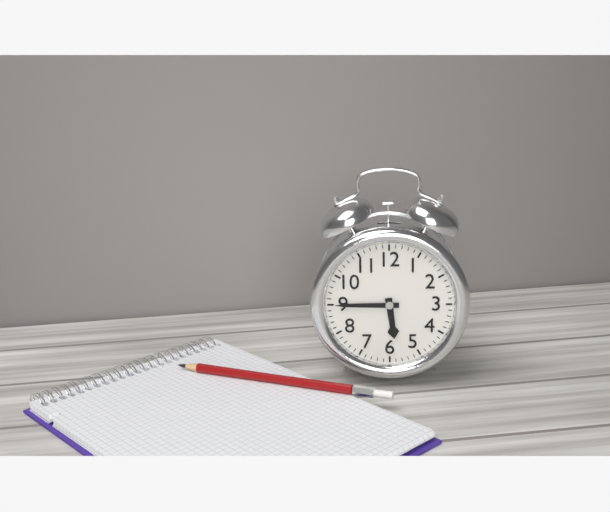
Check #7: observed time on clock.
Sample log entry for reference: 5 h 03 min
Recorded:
5 h 45 min
